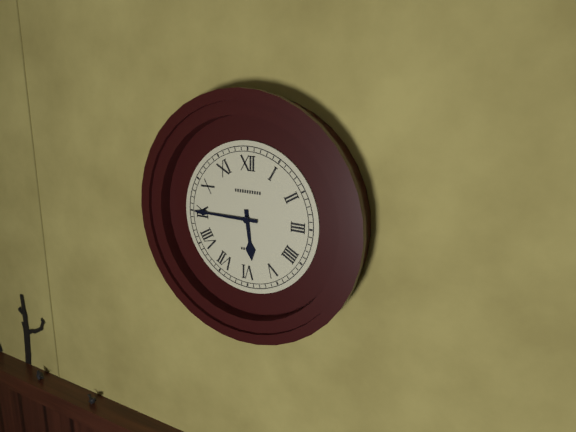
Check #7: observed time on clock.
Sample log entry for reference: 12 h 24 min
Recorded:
5 h 45 min
